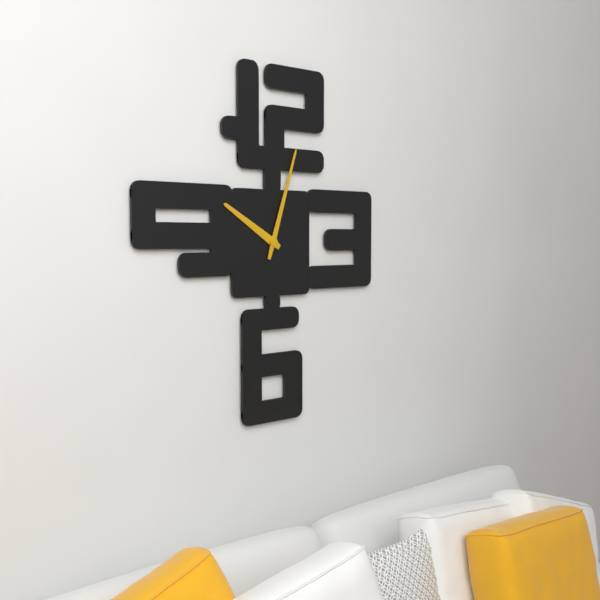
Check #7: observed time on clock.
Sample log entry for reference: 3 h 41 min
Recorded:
10 h 03 min
